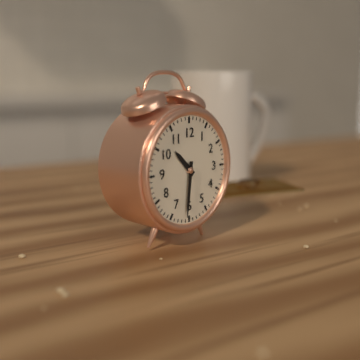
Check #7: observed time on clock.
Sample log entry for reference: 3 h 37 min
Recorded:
10 h 31 min
